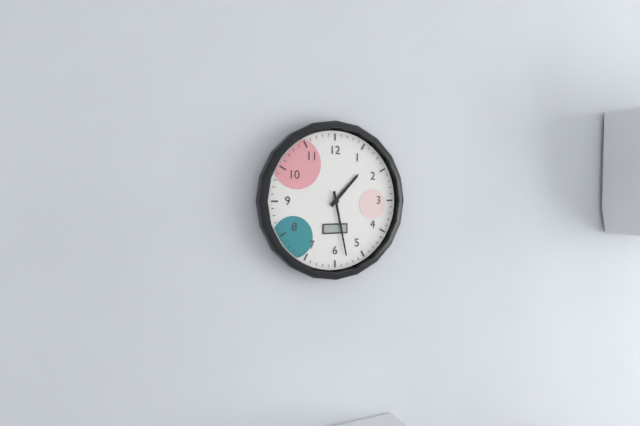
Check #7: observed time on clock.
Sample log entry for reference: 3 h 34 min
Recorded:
1 h 28 min
